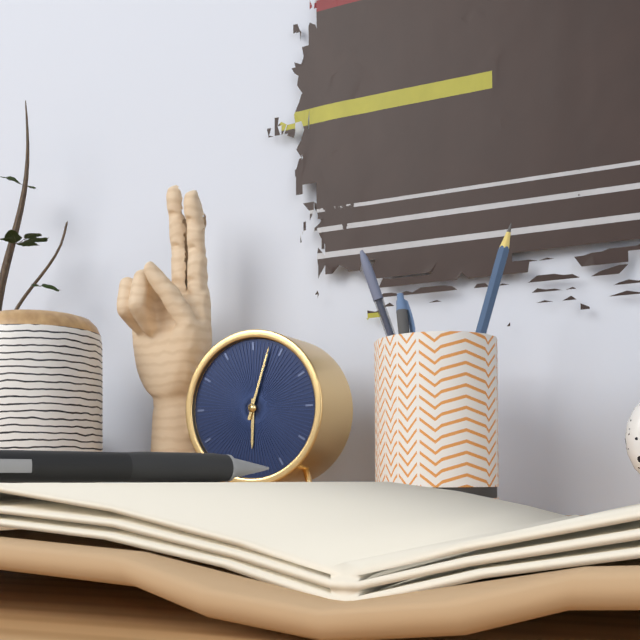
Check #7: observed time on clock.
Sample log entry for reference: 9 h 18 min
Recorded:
6 h 03 min
